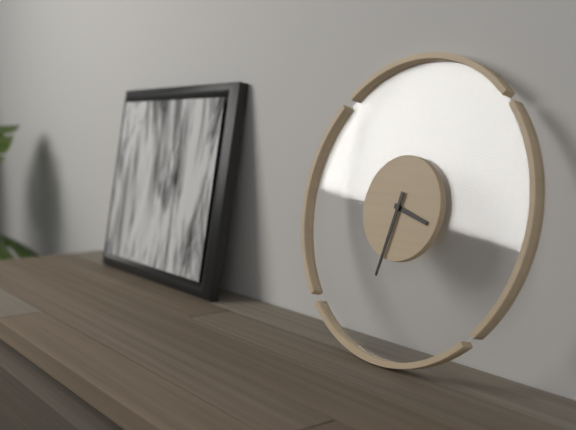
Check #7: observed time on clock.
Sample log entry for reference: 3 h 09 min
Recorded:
3 h 32 min
